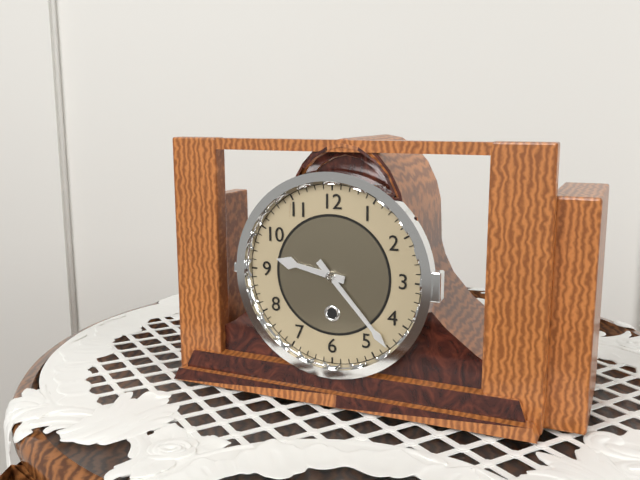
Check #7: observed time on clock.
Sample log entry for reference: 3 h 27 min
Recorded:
9 h 23 min
